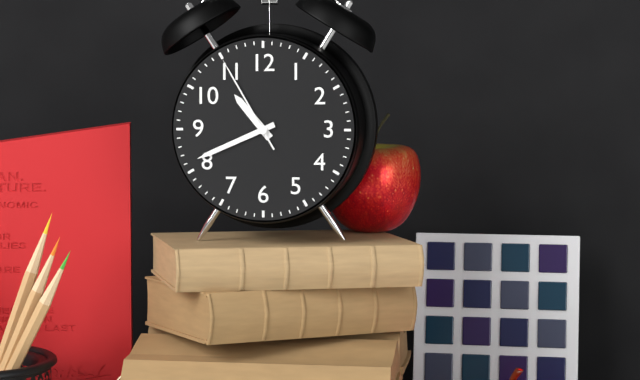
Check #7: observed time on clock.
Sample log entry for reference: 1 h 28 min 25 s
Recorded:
10 h 41 min 55 s
